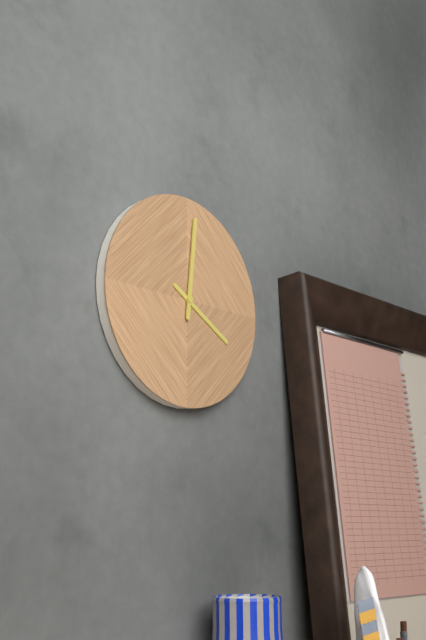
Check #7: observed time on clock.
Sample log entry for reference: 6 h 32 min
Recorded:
4 h 01 min
